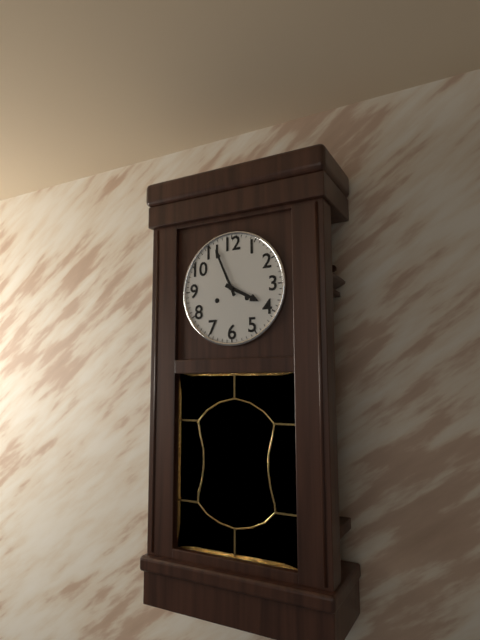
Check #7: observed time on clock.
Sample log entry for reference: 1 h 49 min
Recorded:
3 h 56 min
